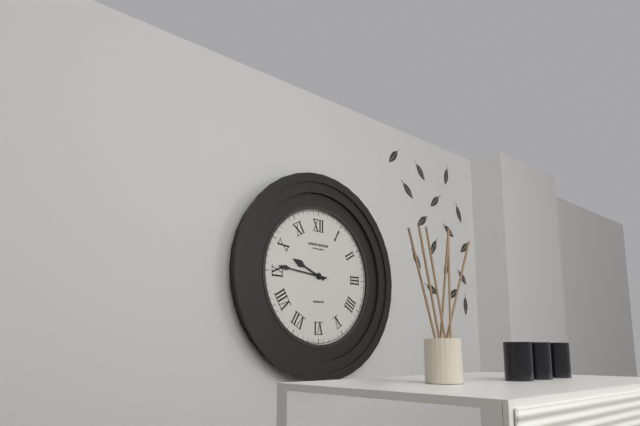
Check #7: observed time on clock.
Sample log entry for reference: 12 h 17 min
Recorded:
9 h 46 min
